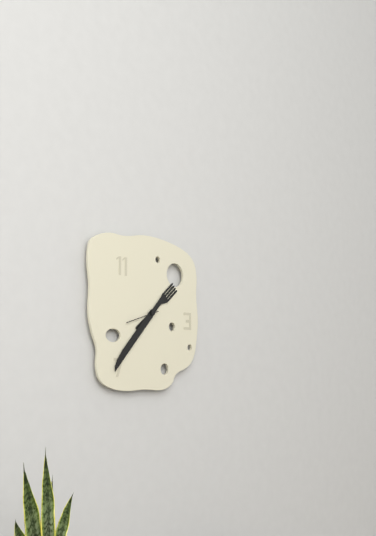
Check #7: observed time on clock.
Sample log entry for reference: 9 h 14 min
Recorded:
1 h 37 min
